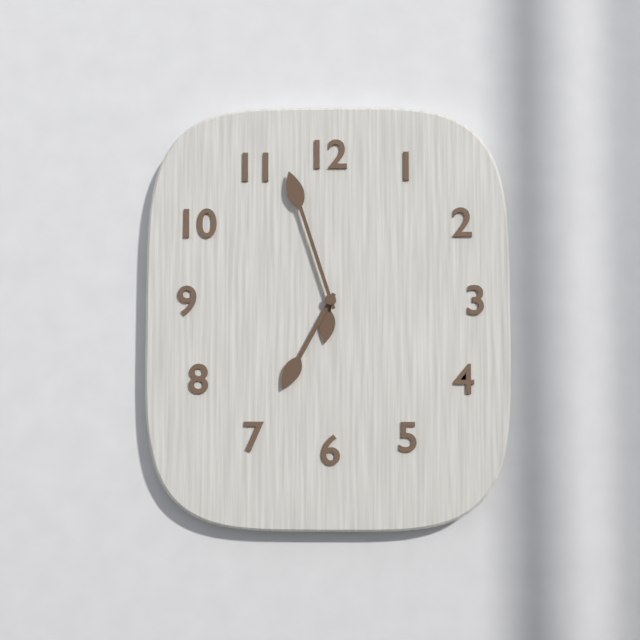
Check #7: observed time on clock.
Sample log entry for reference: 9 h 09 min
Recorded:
6 h 57 min
